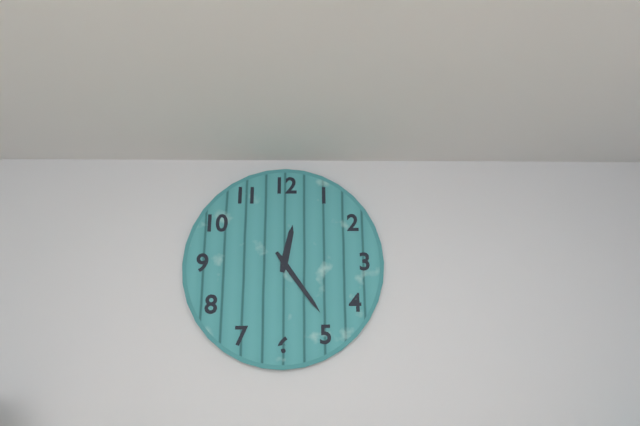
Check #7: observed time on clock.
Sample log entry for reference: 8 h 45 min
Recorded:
12 h 24 min
